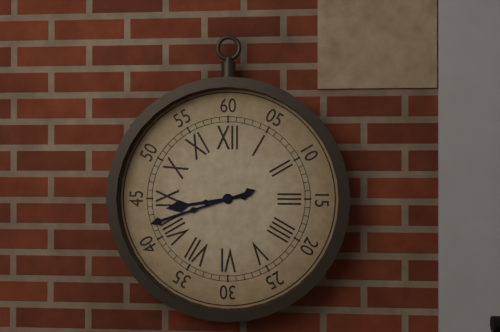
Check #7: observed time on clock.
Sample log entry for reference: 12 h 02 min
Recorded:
8 h 42 min
